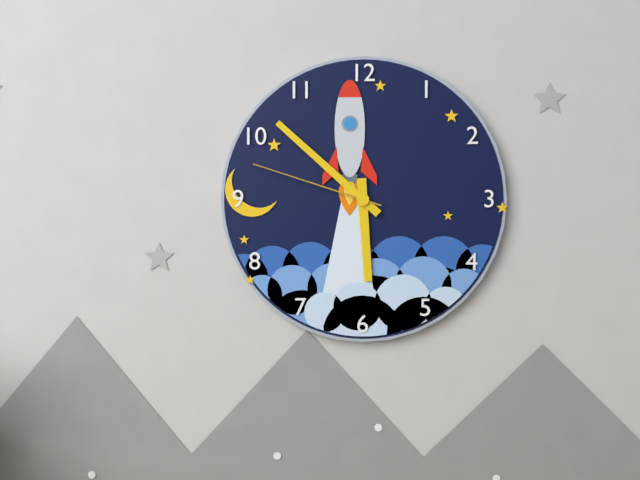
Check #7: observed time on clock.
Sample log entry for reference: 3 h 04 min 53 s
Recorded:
5 h 52 min 48 s
